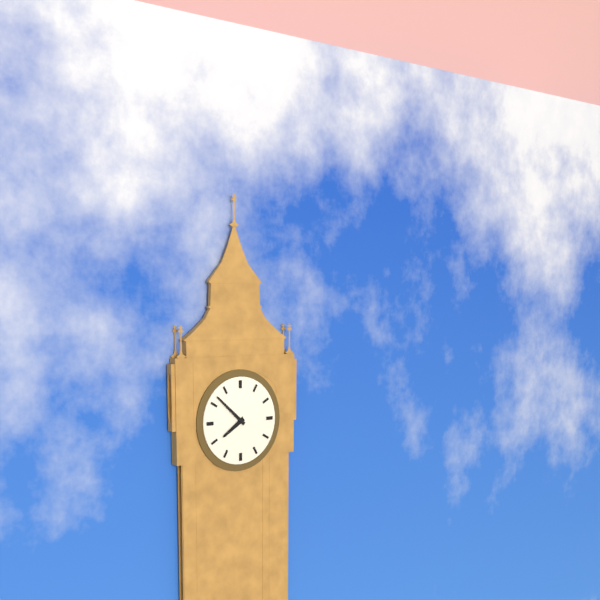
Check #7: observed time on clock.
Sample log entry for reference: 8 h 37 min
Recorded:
7 h 52 min
